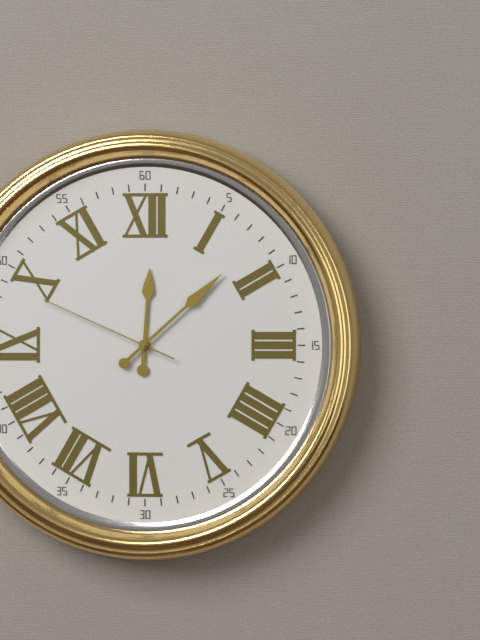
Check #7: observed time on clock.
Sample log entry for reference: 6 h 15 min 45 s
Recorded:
12 h 08 min 49 s
